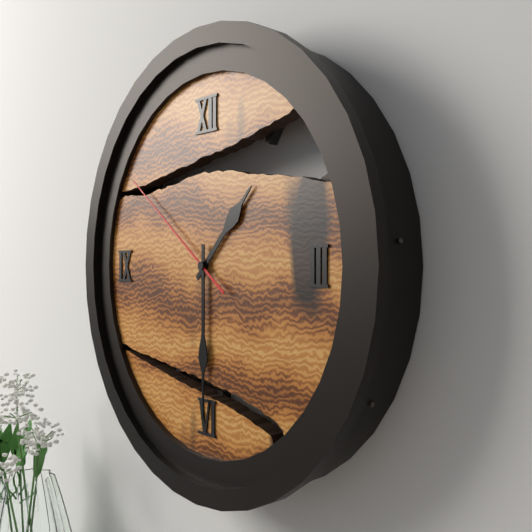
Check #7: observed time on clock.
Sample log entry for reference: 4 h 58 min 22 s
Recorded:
1 h 30 min 51 s
